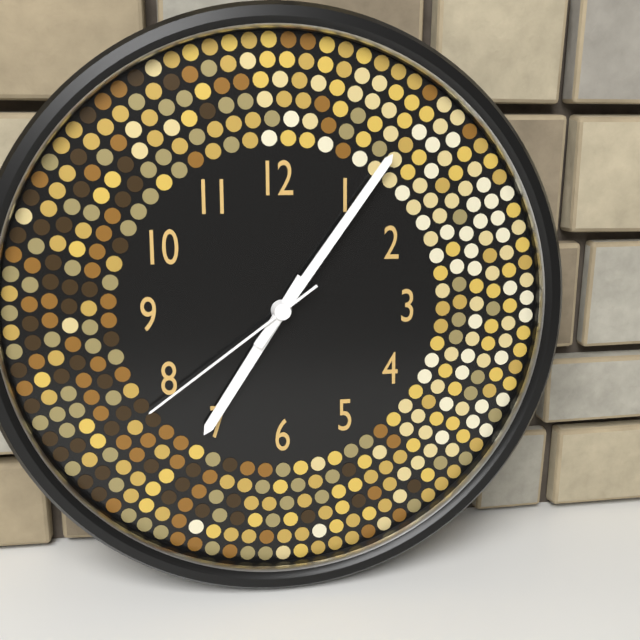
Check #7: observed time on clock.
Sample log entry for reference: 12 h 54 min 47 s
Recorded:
7 h 06 min 39 s
